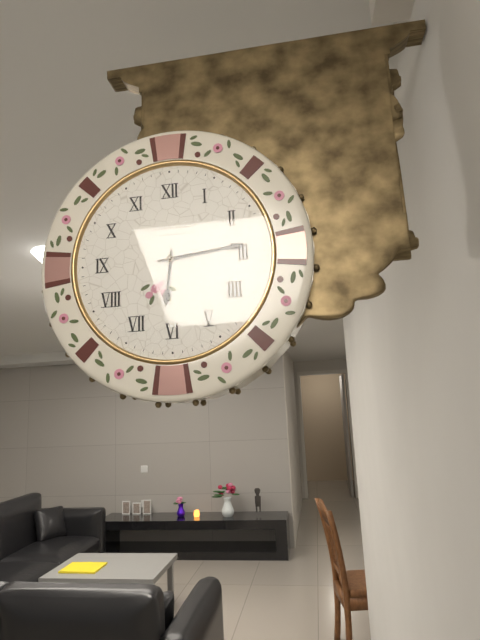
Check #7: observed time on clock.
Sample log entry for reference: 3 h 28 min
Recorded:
6 h 14 min
